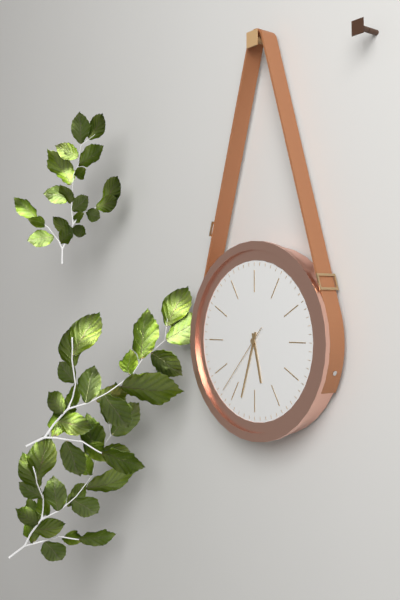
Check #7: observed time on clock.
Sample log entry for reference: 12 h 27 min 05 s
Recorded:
5 h 33 min 37 s
